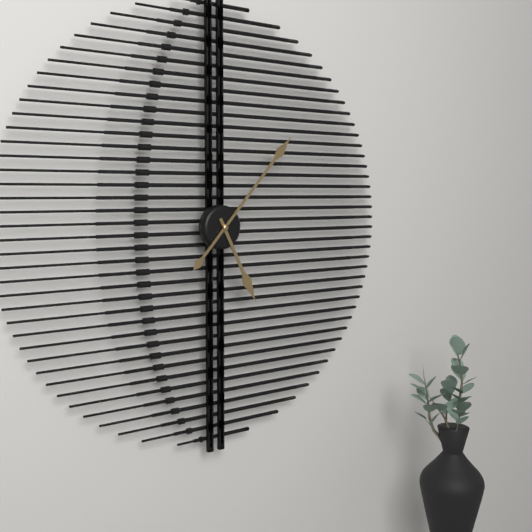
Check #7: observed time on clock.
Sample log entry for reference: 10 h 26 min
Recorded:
5 h 07 min
